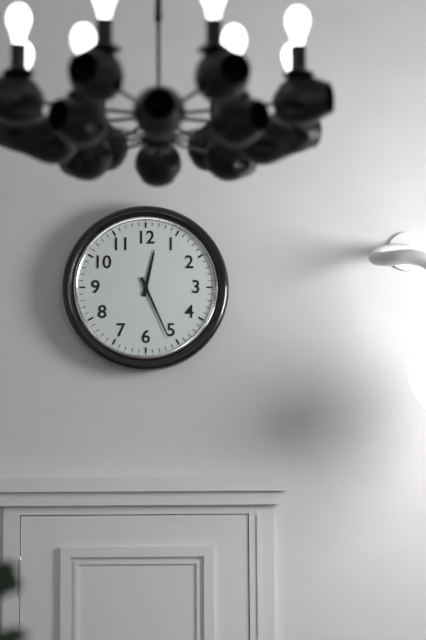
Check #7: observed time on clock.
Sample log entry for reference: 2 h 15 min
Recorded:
12 h 26 min
